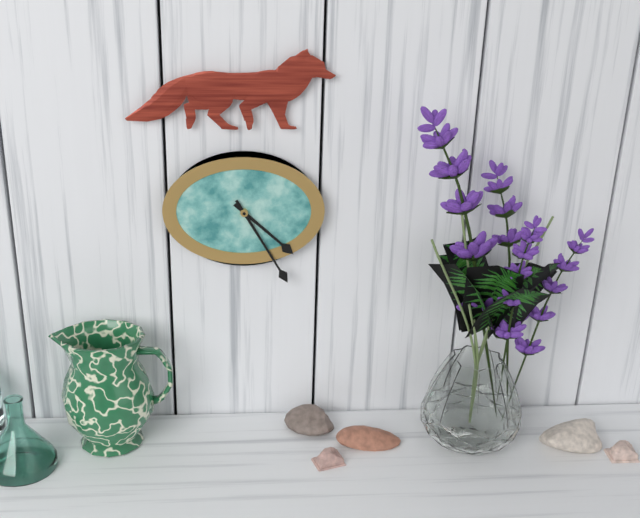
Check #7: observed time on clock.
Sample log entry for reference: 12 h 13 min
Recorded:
4 h 25 min
